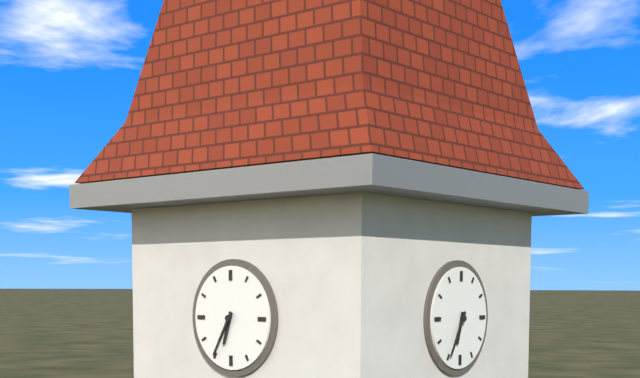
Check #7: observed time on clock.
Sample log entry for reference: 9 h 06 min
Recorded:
6 h 35 min
